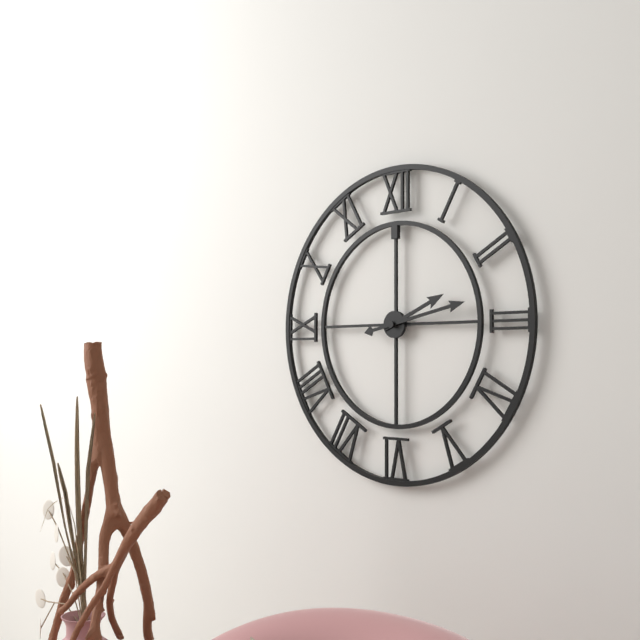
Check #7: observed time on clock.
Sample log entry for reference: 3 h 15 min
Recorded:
2 h 13 min
